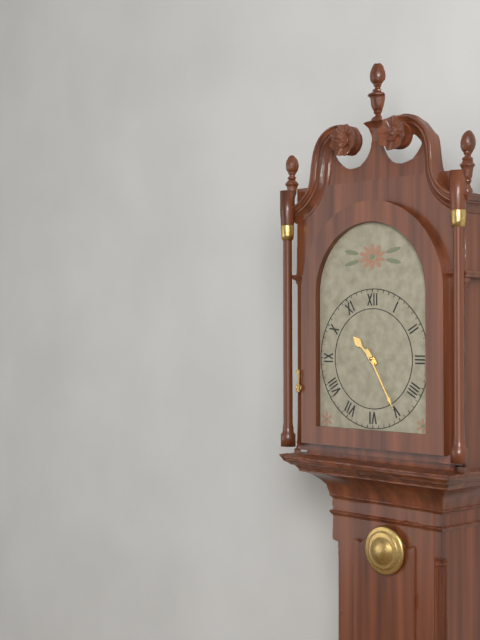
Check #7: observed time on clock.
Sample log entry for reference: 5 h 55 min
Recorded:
10 h 25 min
